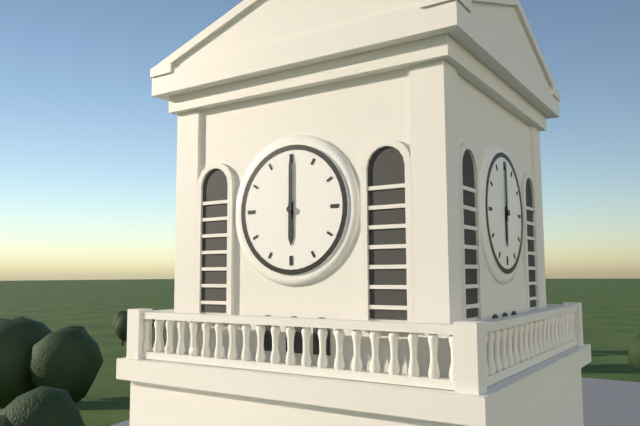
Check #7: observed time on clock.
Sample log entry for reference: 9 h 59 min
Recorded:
6 h 00 min
